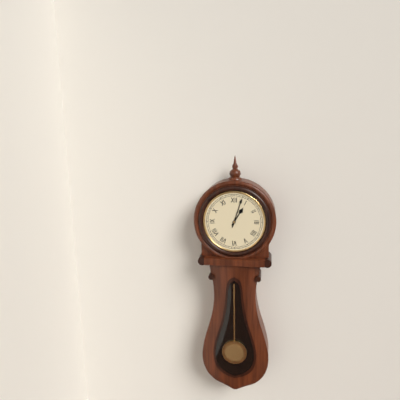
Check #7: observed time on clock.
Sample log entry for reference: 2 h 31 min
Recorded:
1 h 03 min
